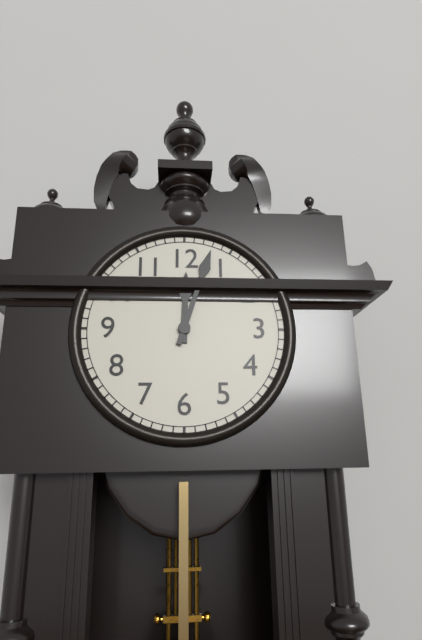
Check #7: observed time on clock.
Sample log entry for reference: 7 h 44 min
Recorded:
12 h 03 min
